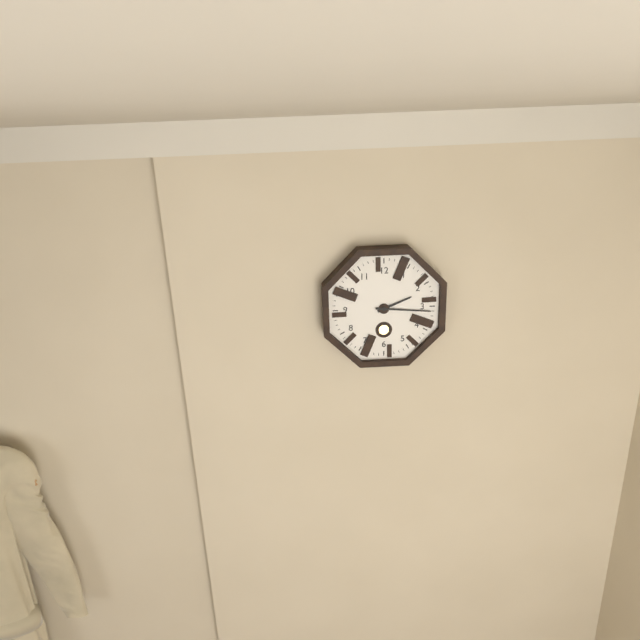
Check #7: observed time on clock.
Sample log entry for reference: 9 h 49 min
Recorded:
2 h 16 min
